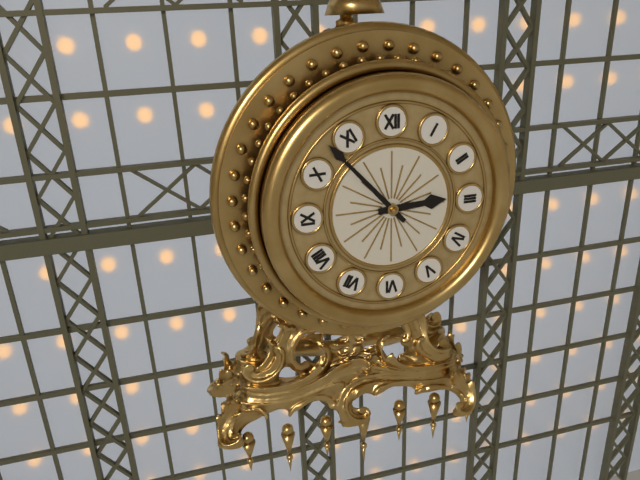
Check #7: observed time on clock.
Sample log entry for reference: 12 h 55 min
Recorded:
2 h 53 min
